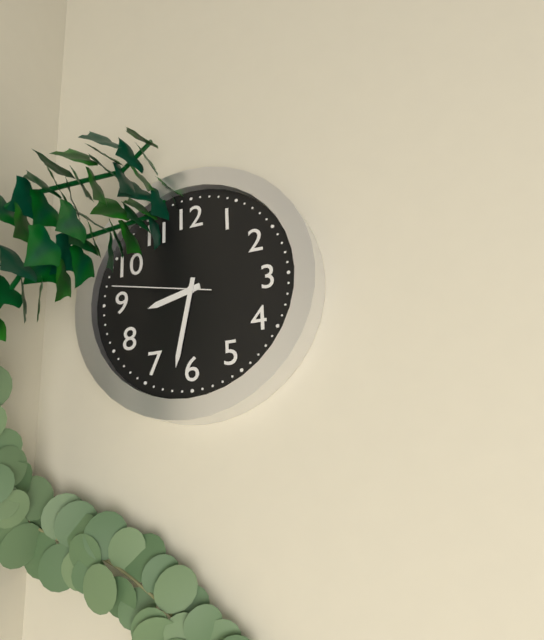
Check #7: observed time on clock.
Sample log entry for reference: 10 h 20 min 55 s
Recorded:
8 h 32 min 47 s
